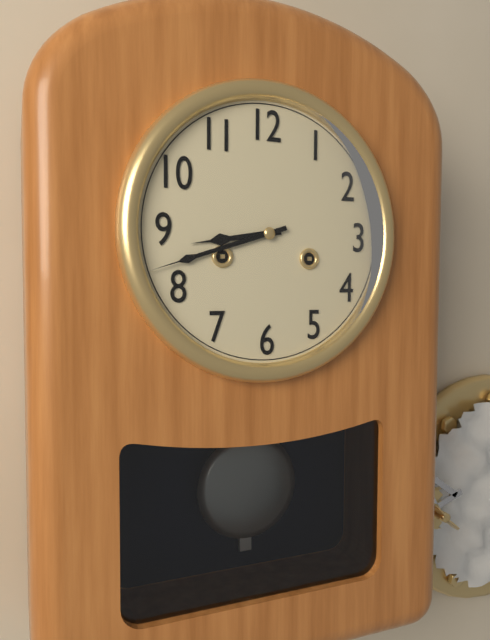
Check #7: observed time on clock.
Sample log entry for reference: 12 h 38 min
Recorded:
8 h 42 min
